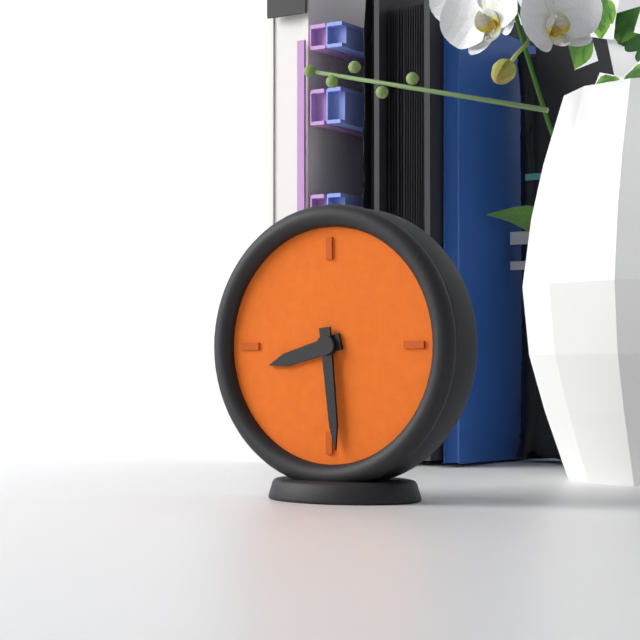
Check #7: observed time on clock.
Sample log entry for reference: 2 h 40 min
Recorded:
8 h 29 min
